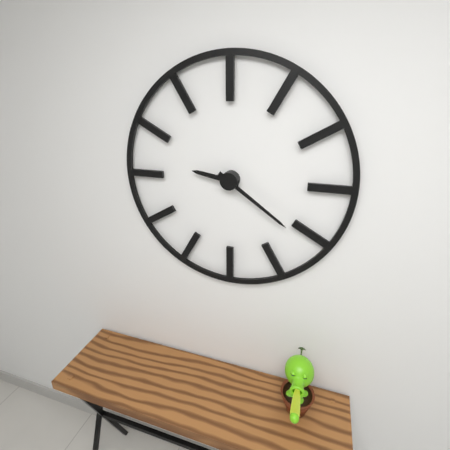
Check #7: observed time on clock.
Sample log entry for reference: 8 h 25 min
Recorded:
9 h 21 min
